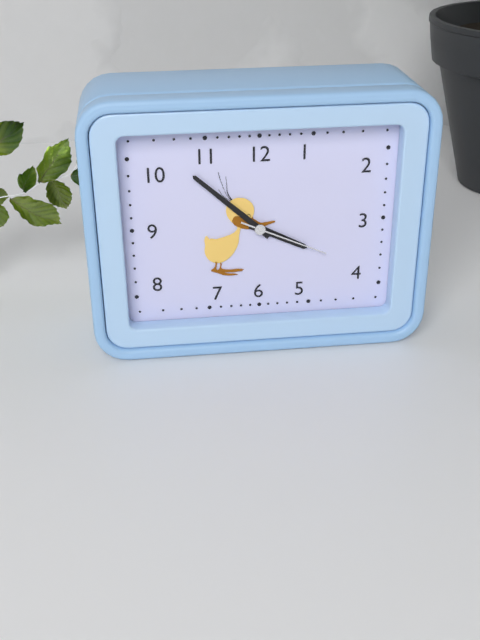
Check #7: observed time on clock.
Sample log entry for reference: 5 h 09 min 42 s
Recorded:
3 h 52 min 19 s
